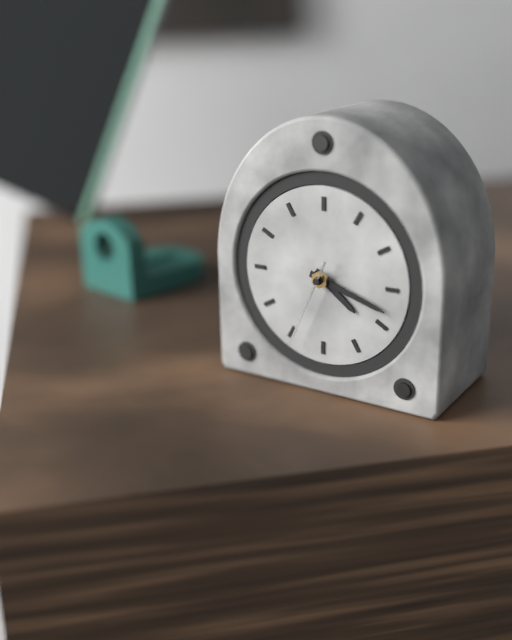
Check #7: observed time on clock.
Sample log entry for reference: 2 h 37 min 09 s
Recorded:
4 h 18 min 34 s
